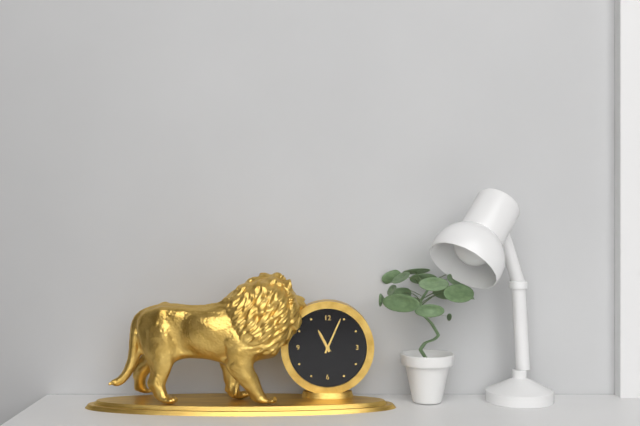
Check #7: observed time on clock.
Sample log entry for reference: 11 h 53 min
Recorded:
11 h 04 min
